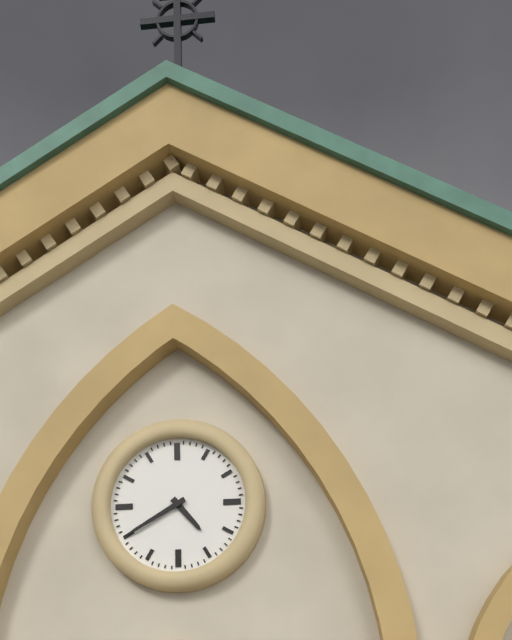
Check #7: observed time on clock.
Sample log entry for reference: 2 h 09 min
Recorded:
4 h 40 min
